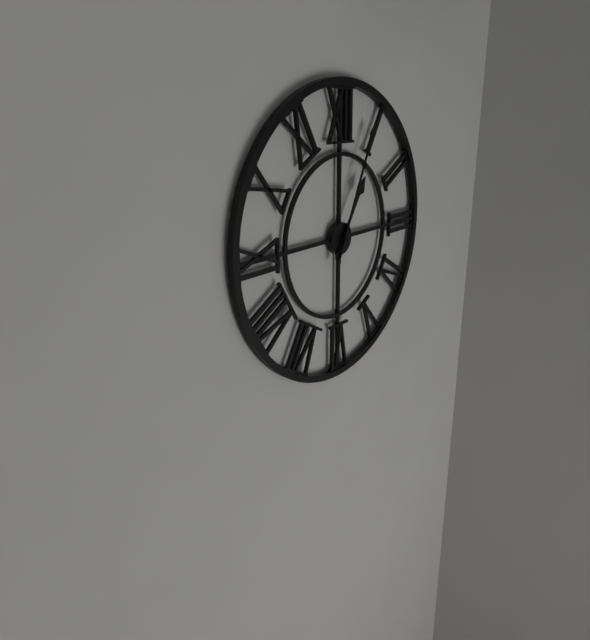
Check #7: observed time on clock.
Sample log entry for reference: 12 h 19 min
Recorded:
1 h 04 min
